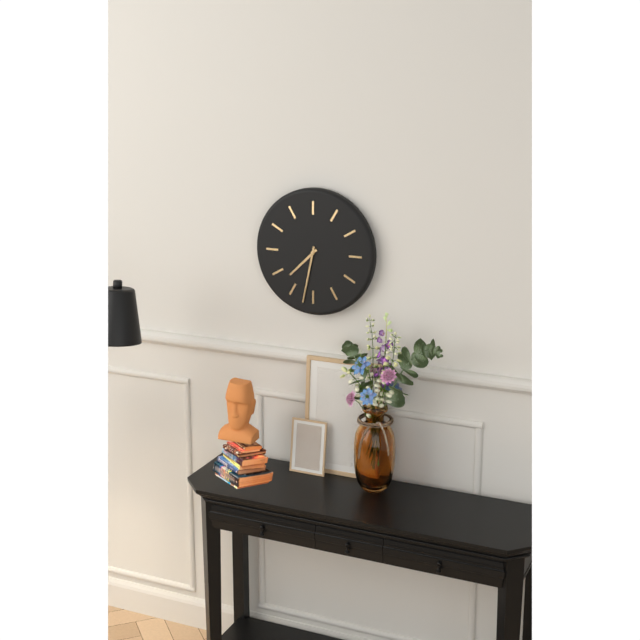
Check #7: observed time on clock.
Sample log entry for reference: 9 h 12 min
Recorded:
7 h 32 min
